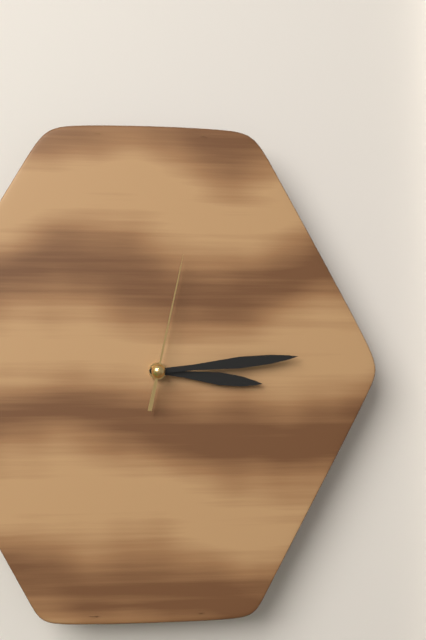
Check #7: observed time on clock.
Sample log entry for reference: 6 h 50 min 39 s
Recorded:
3 h 14 min 02 s
